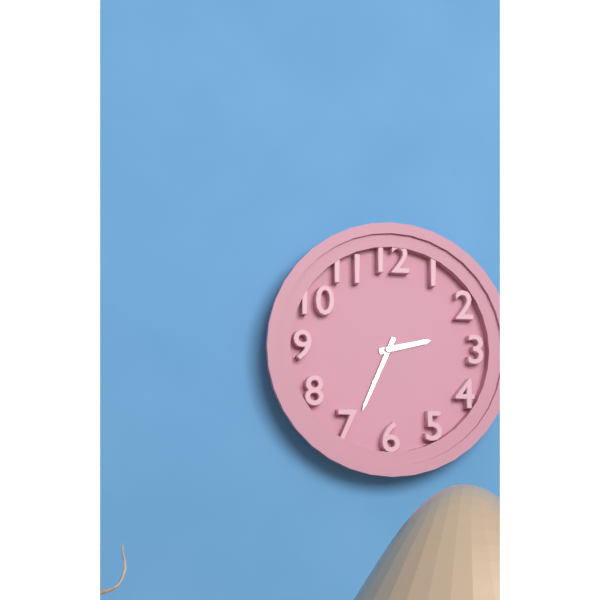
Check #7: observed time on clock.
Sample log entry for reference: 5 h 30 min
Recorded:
2 h 34 min
